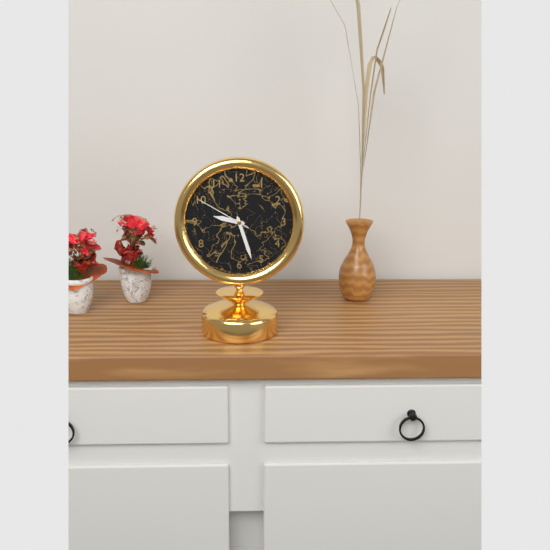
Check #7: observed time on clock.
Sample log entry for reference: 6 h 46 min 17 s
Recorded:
9 h 27 min 50 s
